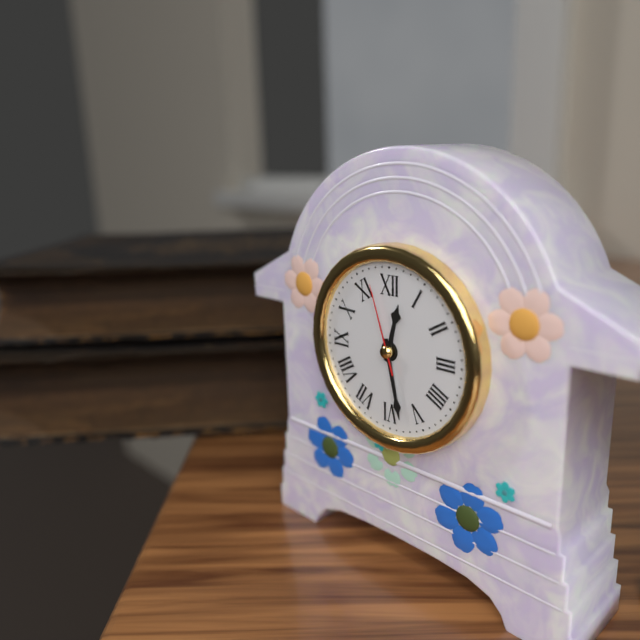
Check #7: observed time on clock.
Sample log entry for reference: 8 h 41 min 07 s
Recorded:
12 h 28 min 57 s
